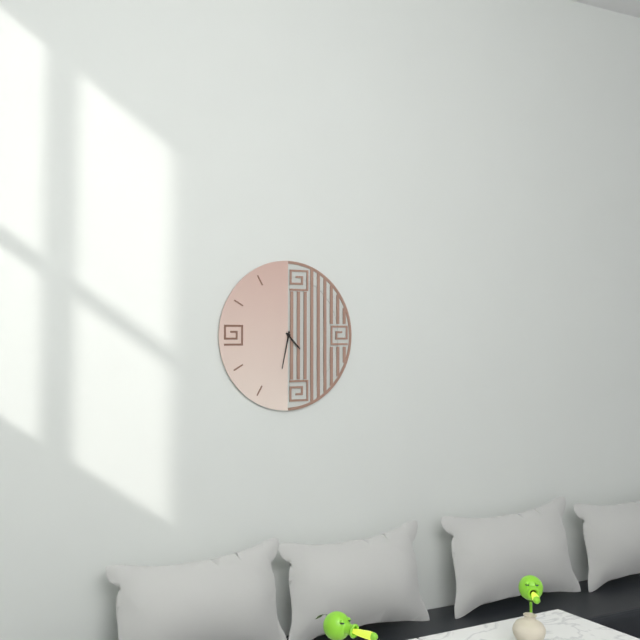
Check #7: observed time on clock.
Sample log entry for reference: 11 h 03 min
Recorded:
4 h 32 min
